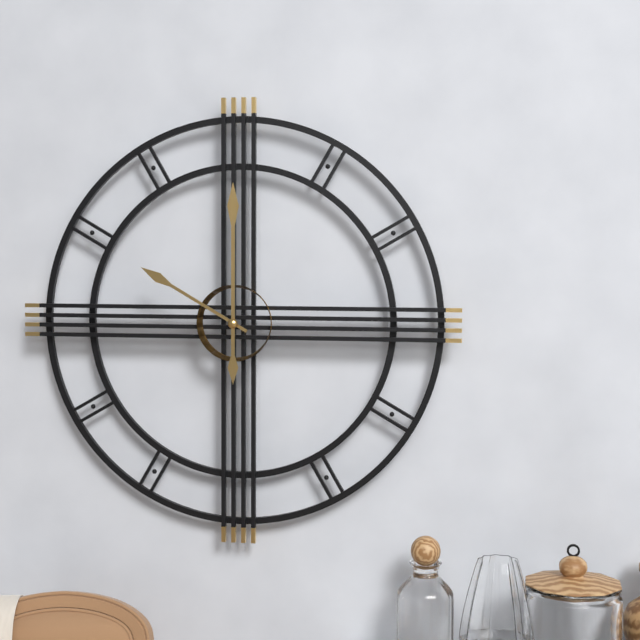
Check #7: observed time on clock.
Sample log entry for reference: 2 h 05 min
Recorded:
10 h 00 min
